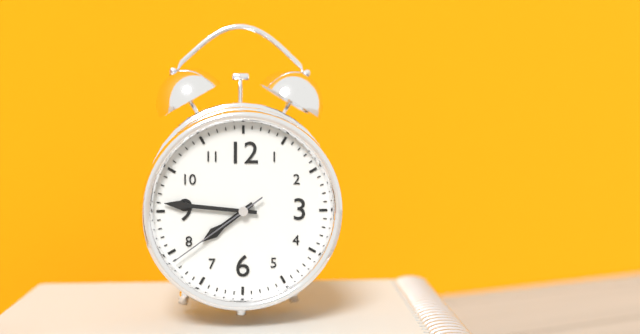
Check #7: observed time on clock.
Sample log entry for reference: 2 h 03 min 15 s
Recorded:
7 h 46 min 39 s
